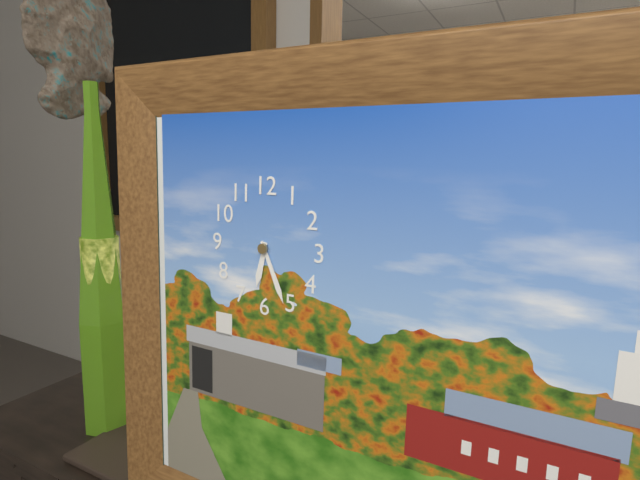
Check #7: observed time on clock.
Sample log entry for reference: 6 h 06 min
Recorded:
6 h 26 min
